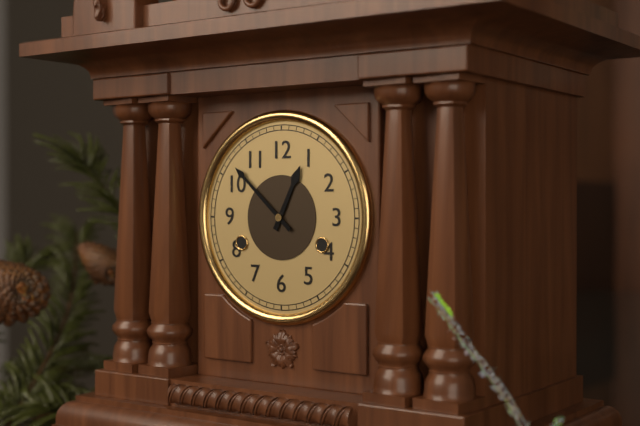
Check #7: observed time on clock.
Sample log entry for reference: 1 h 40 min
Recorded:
12 h 52 min
